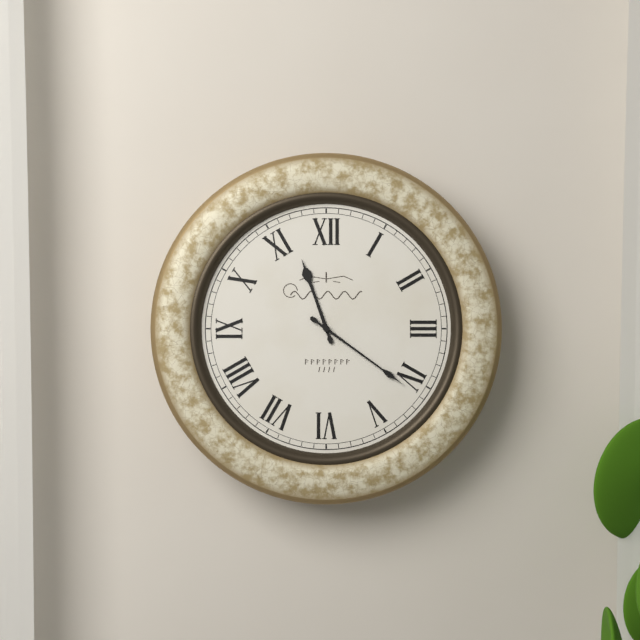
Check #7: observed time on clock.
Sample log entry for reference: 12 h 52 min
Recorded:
11 h 21 min
